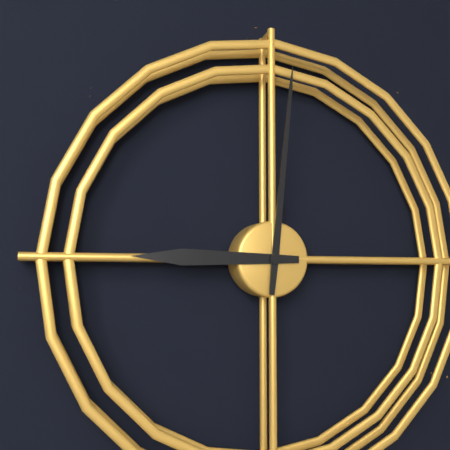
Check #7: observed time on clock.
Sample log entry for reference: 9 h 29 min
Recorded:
9 h 01 min
